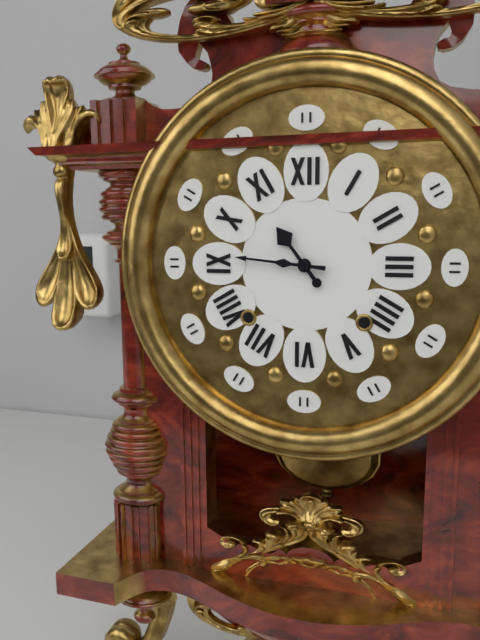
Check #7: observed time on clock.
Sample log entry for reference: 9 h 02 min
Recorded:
10 h 46 min
